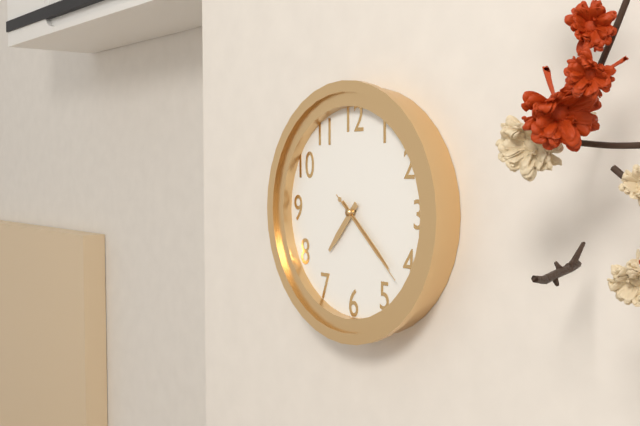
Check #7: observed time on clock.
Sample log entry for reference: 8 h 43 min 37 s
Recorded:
7 h 22 min 22 s
